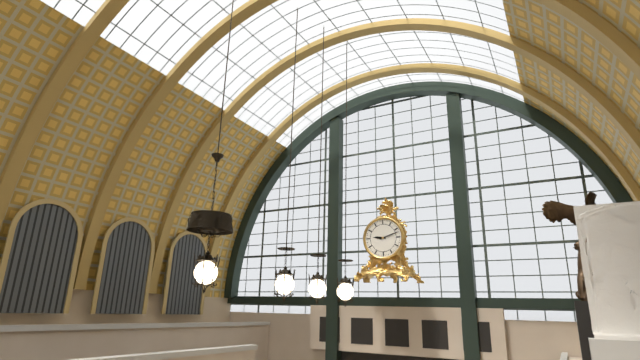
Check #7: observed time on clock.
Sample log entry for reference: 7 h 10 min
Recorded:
9 h 12 min
